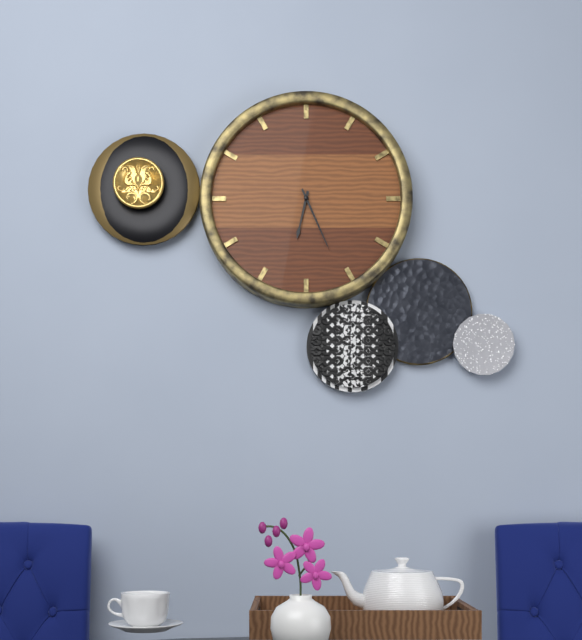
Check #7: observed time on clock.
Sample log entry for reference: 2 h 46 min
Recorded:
6 h 26 min
